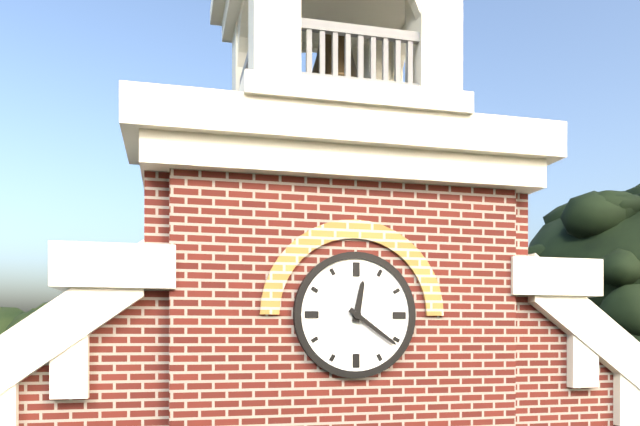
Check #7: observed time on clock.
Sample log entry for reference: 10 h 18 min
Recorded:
12 h 21 min
